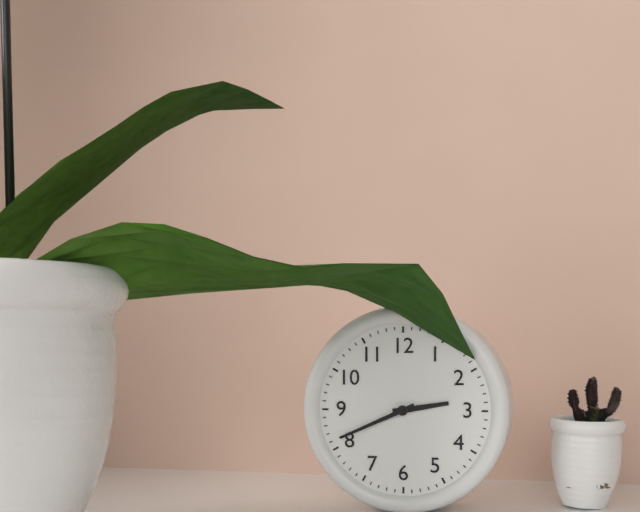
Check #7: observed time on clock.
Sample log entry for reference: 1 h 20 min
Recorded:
2 h 41 min
